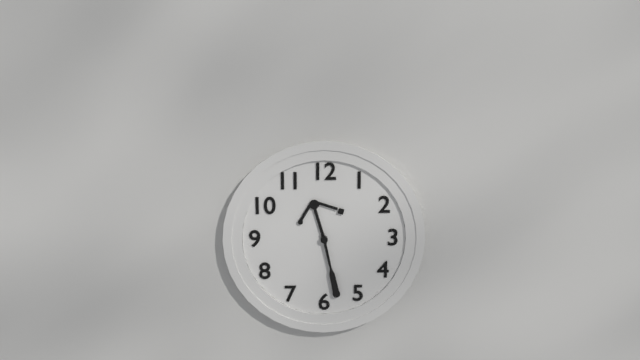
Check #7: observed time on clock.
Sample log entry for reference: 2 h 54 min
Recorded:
11 h 28 min
